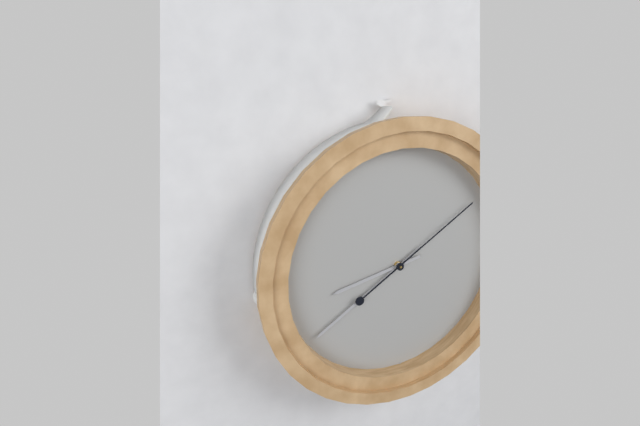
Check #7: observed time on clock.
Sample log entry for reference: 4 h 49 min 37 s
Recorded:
8 h 40 min 10 s
